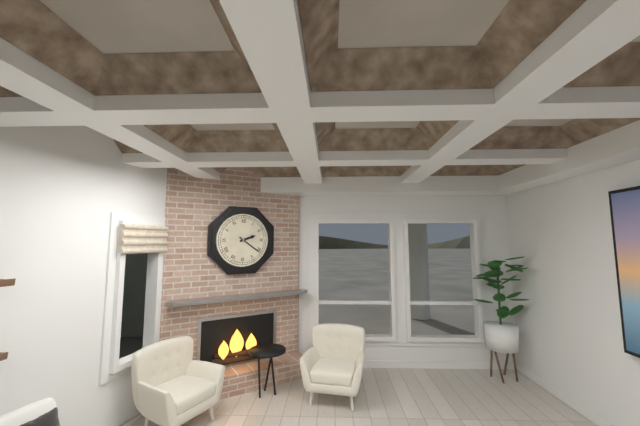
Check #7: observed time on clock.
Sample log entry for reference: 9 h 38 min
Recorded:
2 h 21 min
